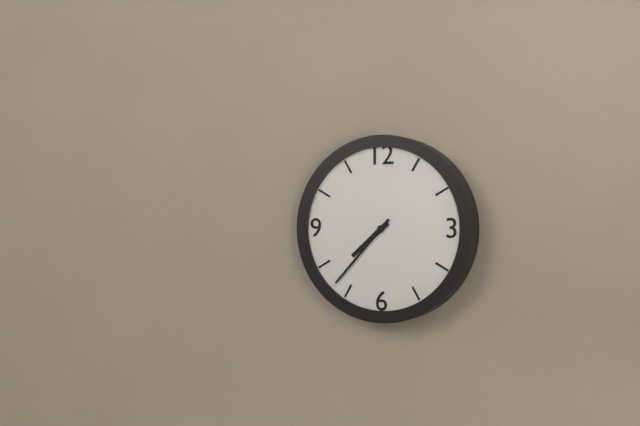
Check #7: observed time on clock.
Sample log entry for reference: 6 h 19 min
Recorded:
7 h 37 min
